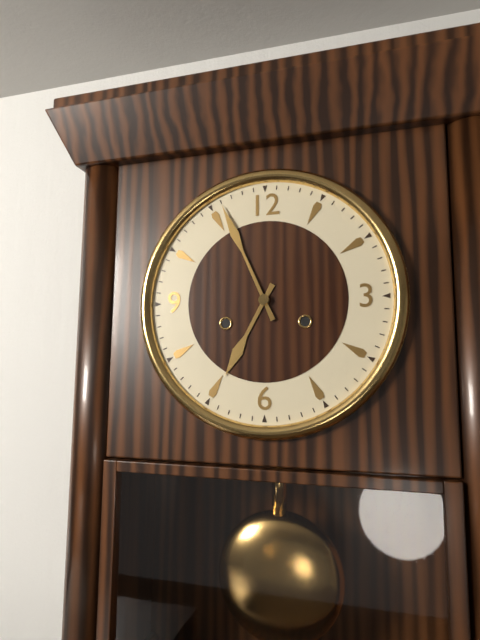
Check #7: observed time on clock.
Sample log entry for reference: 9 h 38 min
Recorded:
6 h 56 min
